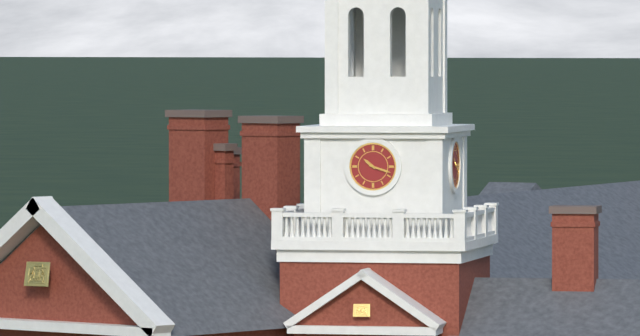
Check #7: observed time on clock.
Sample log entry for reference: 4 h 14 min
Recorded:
10 h 18 min
